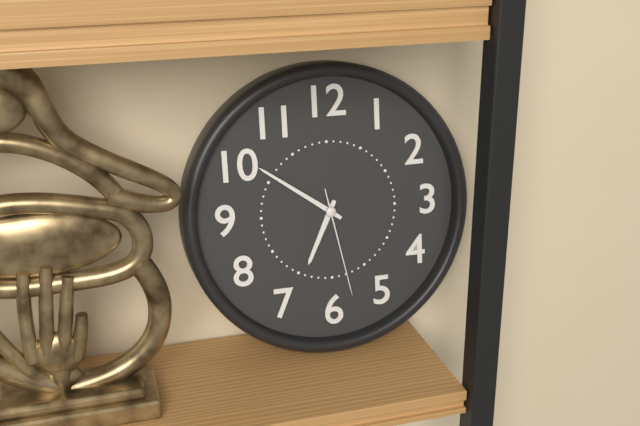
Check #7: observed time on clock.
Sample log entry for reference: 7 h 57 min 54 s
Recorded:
6 h 51 min 28 s
